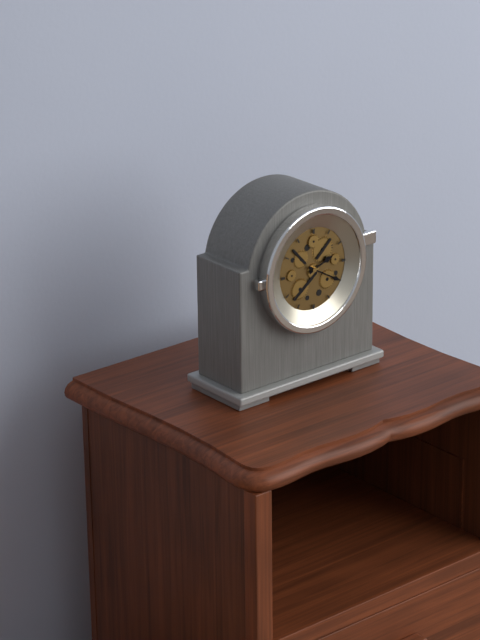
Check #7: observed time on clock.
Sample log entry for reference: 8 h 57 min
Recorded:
2 h 20 min
